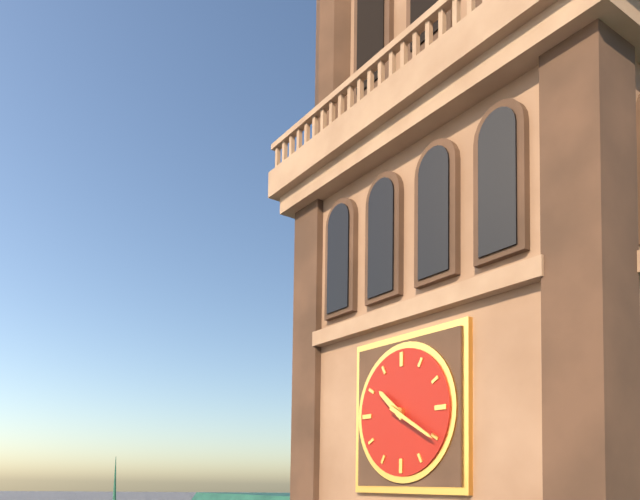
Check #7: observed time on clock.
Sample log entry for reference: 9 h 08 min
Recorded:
10 h 20 min
